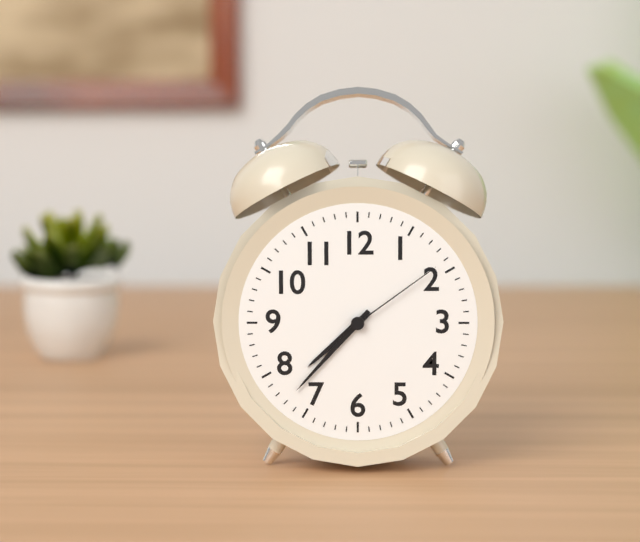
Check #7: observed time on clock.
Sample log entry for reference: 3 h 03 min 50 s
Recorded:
7 h 37 min 09 s
